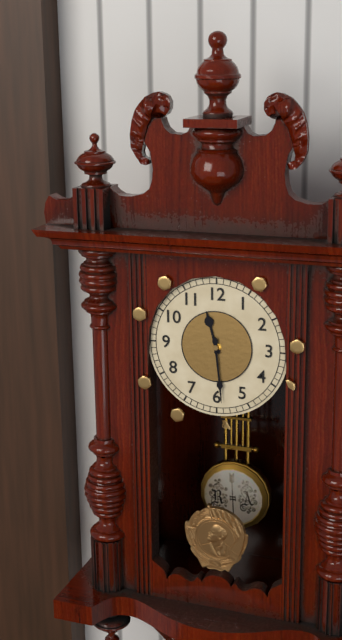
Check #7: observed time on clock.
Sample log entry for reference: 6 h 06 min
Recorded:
11 h 29 min
